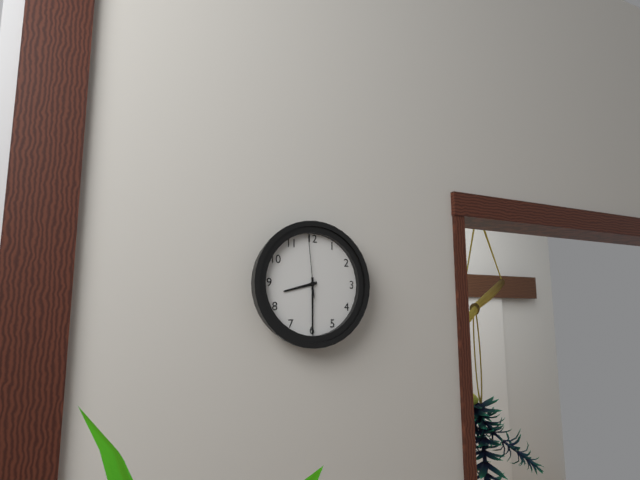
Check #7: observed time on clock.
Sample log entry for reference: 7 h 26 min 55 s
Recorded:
8 h 30 min 59 s
